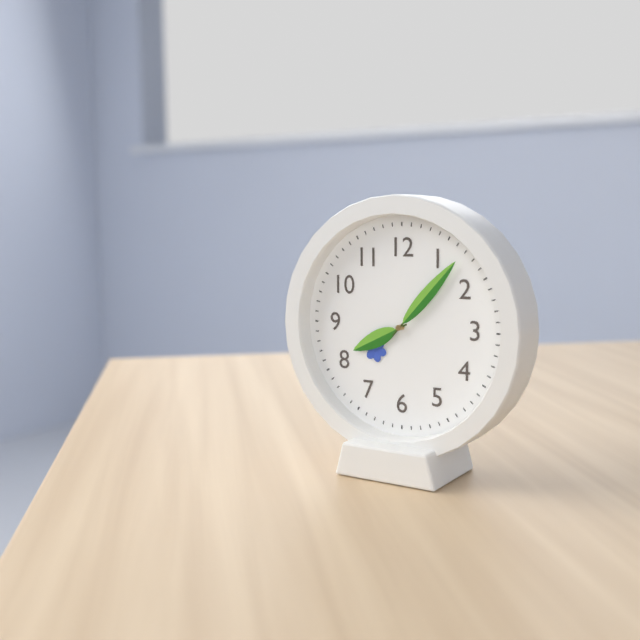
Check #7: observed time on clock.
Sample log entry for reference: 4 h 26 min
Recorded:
8 h 07 min
